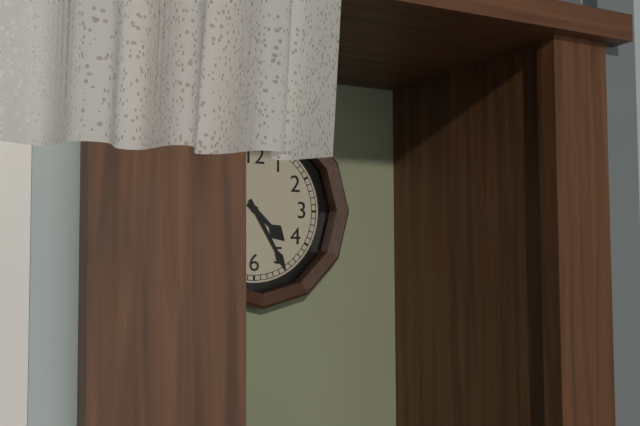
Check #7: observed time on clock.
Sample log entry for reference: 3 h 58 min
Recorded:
4 h 25 min
